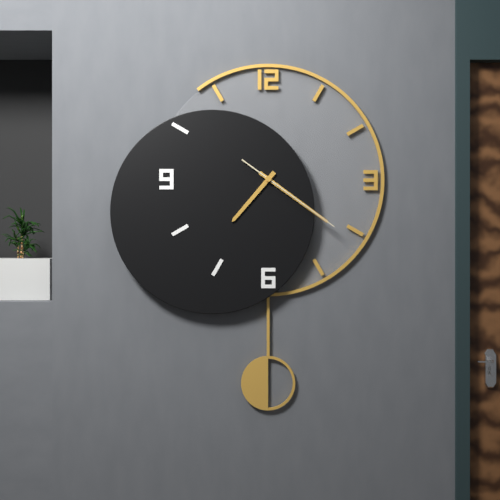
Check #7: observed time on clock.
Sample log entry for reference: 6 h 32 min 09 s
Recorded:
7 h 21 min 21 s
